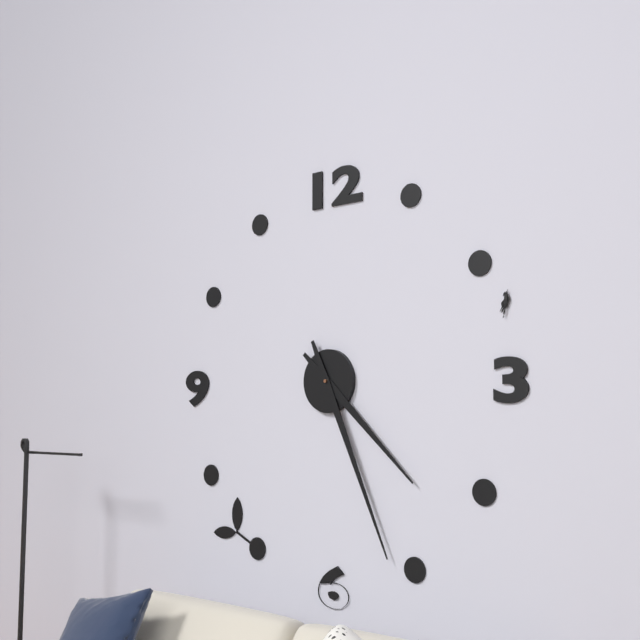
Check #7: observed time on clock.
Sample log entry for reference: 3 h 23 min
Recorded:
4 h 26 min
